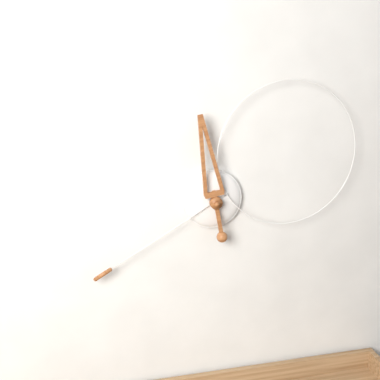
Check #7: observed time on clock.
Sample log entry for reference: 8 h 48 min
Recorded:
11 h 40 min
